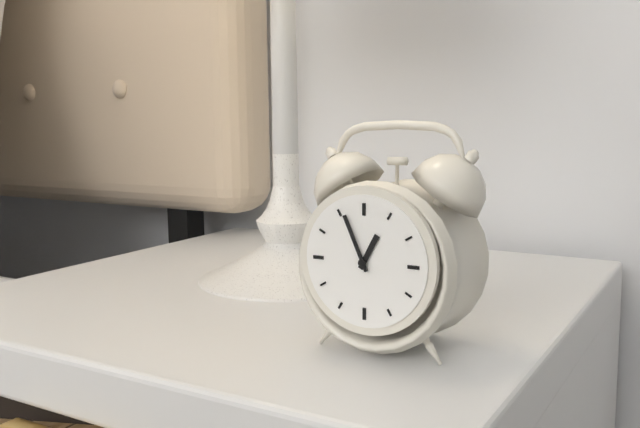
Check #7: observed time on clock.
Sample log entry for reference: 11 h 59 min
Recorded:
12 h 56 min
